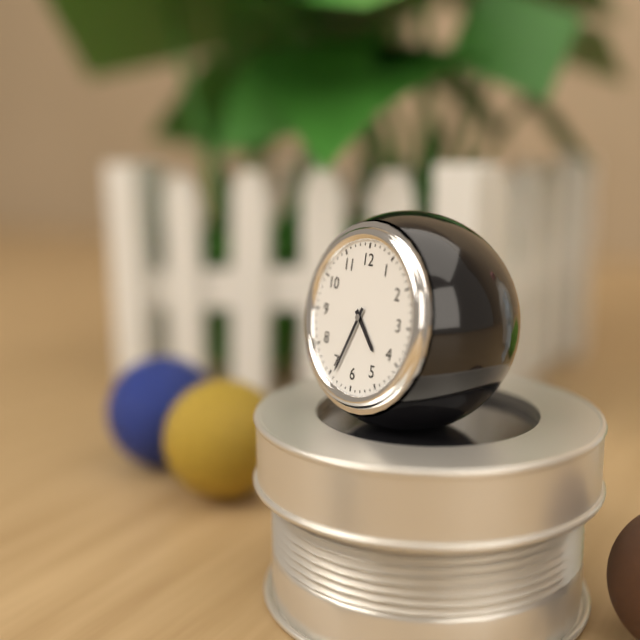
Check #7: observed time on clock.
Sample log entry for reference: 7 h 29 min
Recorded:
4 h 34 min
